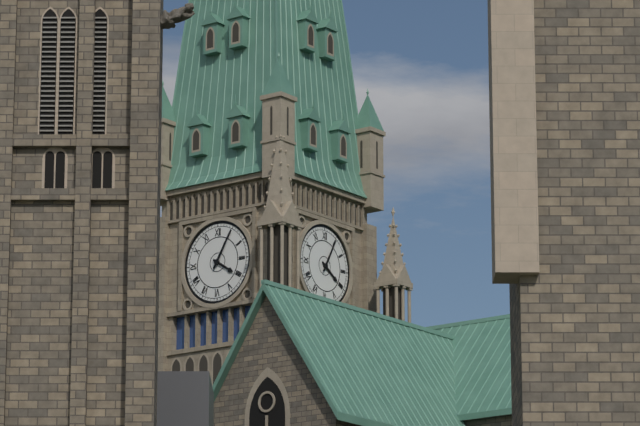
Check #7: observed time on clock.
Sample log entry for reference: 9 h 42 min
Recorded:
4 h 05 min
